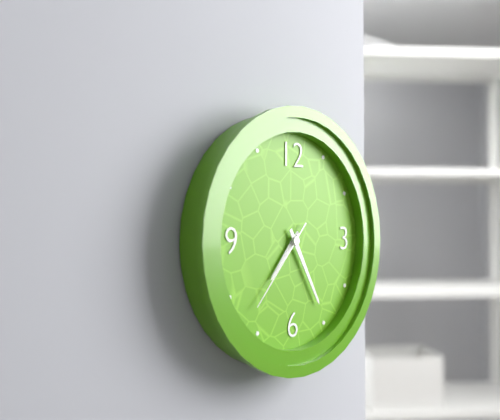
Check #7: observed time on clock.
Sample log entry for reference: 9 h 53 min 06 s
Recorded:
7 h 25 min 37 s
